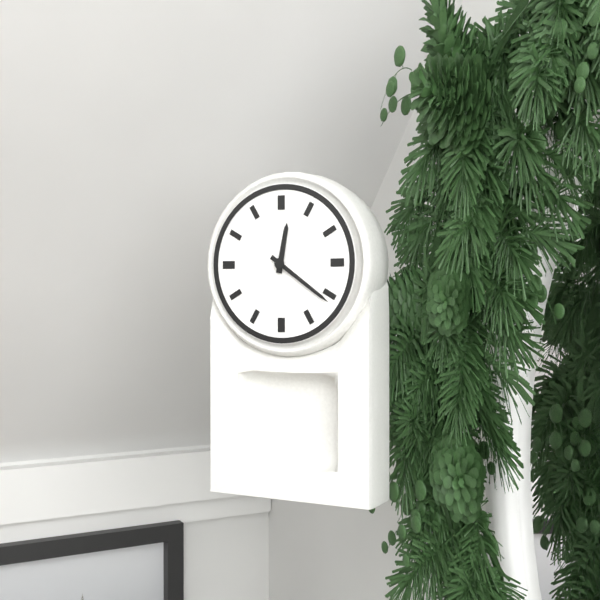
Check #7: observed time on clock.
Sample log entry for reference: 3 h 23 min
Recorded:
12 h 21 min
